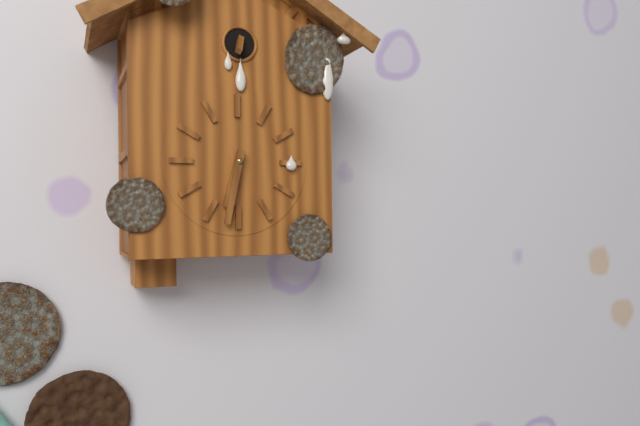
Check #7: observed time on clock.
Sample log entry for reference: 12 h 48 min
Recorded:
6 h 32 min
